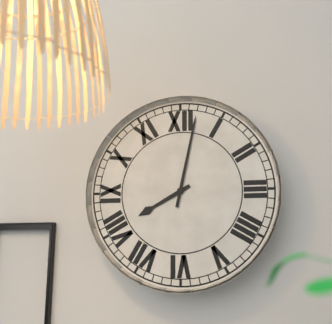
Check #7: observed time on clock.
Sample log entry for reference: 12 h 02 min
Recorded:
8 h 02 min
